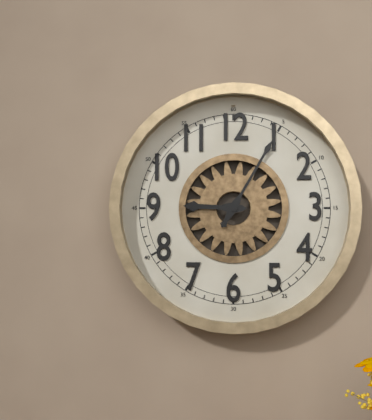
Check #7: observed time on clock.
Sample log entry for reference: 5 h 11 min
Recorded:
9 h 05 min
